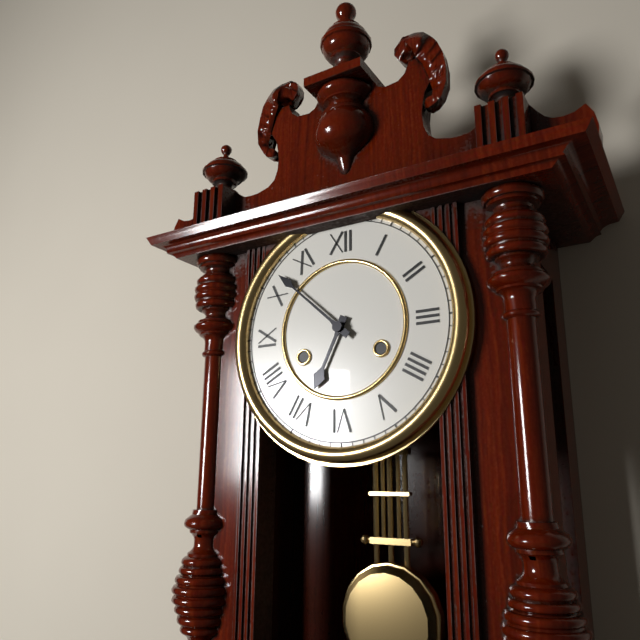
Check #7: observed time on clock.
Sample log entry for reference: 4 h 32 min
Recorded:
6 h 52 min
